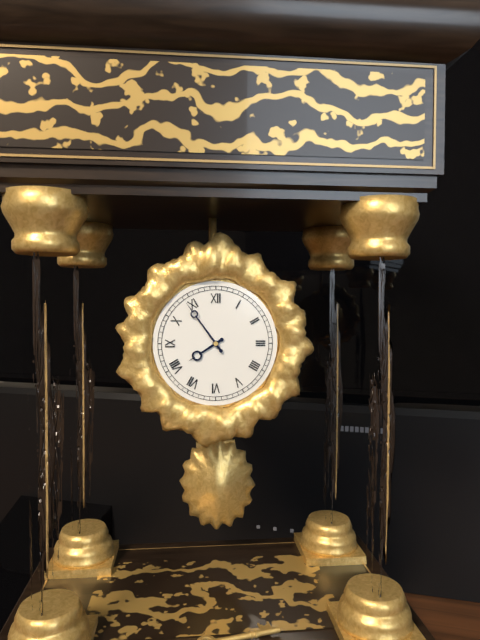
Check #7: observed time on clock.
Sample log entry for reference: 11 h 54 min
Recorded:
7 h 54 min
